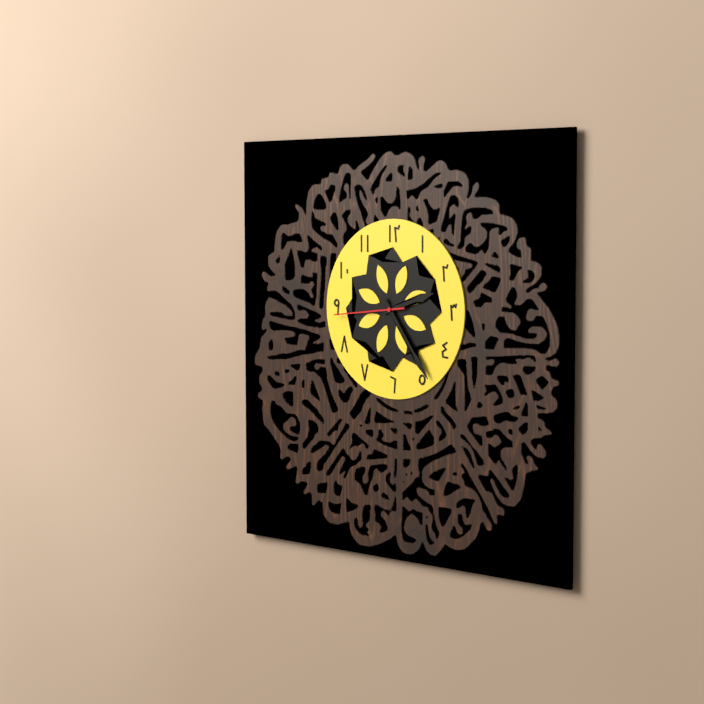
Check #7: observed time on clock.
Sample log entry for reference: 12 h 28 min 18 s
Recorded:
2 h 24 min 44 s
